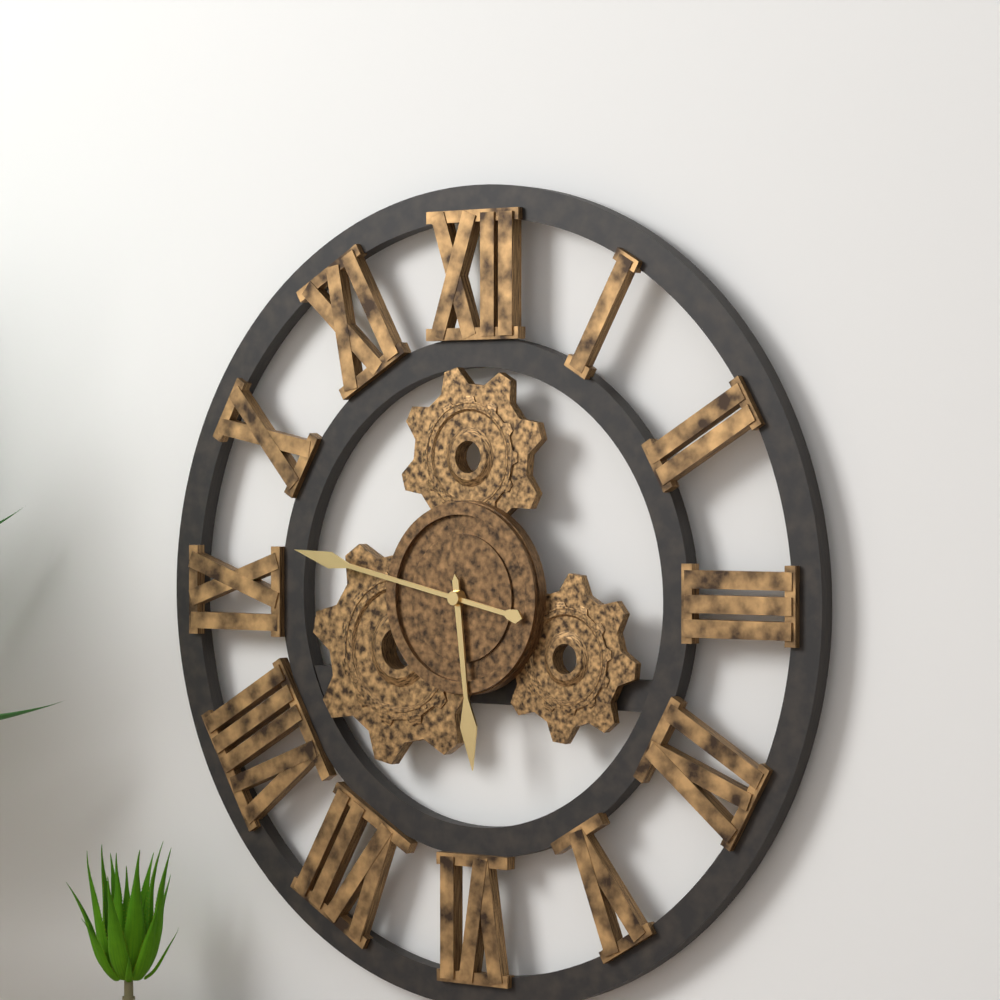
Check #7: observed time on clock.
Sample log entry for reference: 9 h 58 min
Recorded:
5 h 47 min
